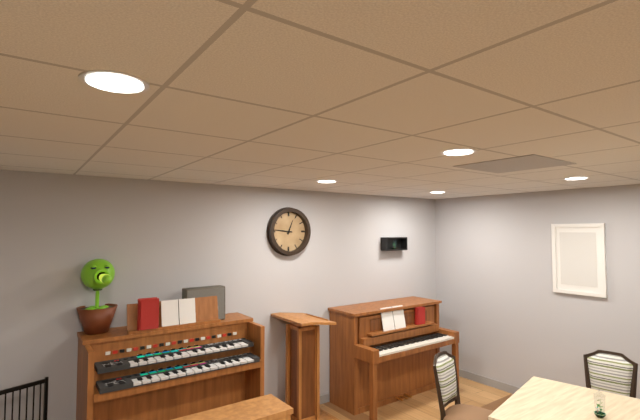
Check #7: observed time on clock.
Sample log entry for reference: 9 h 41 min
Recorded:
12 h 46 min
